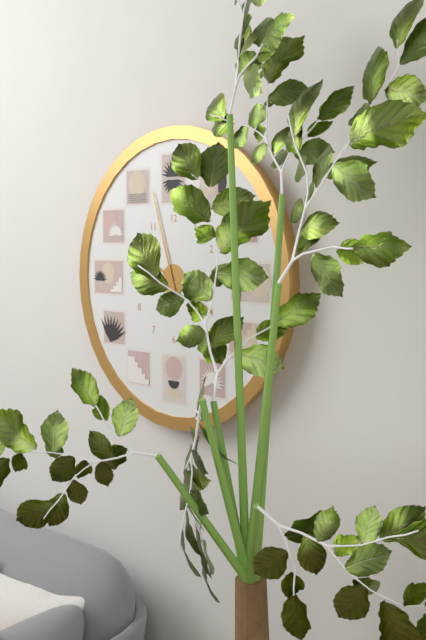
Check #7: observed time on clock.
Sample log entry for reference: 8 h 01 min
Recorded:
3 h 57 min
